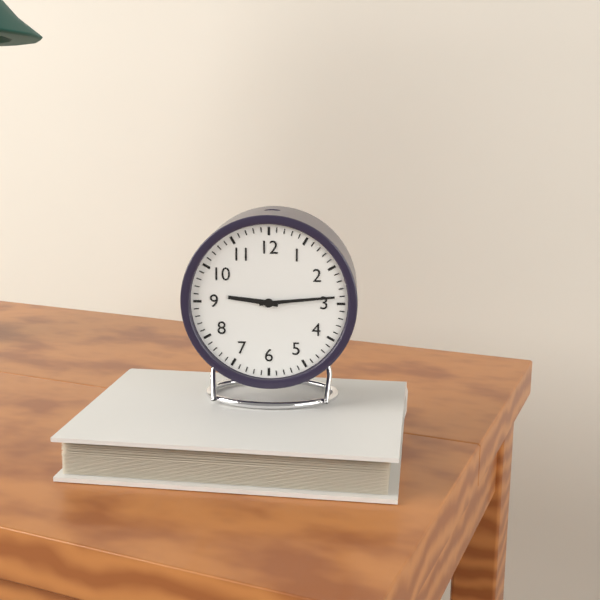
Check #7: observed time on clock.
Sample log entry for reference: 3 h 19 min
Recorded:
9 h 14 min
